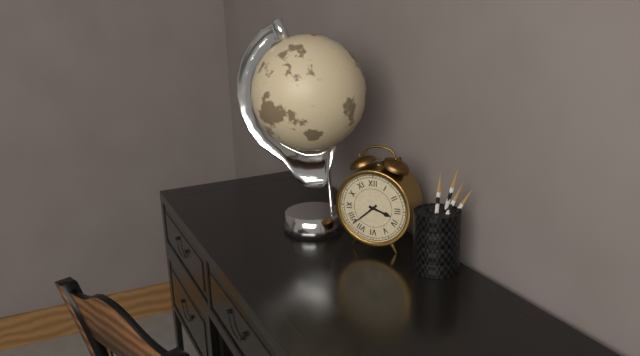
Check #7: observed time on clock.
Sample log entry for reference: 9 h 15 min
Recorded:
3 h 38 min
